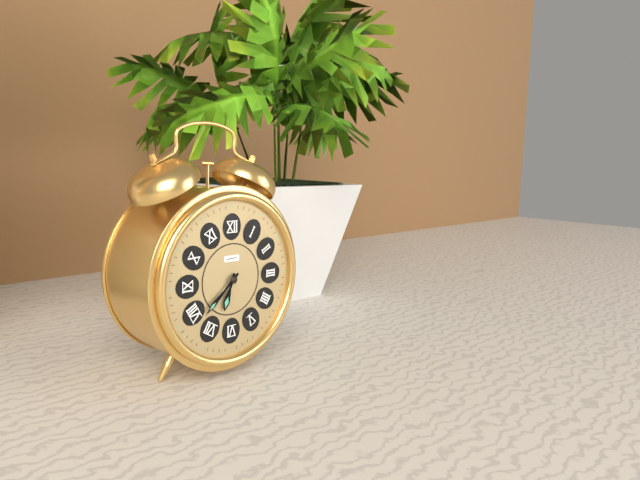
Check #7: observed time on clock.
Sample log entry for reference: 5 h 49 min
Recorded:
6 h 38 min
